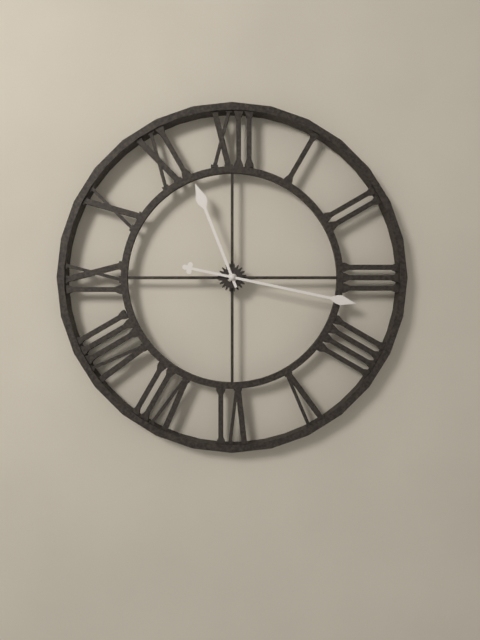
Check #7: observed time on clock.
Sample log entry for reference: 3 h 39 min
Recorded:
11 h 17 min
